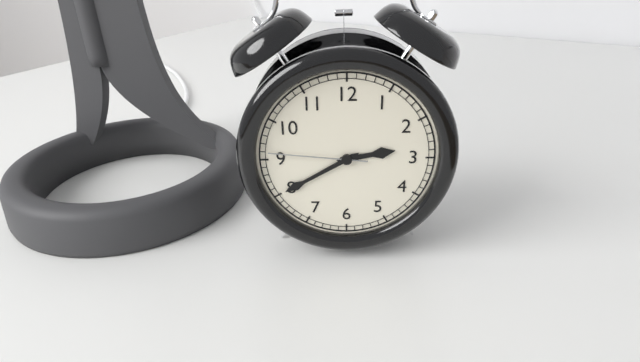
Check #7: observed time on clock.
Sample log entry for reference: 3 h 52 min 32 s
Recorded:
2 h 40 min 46 s
